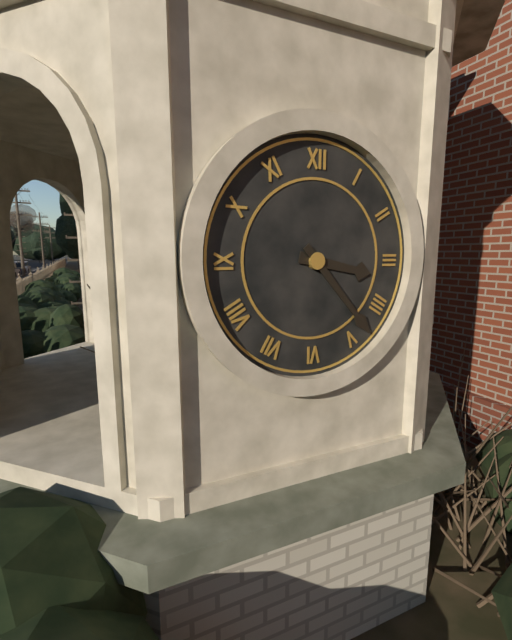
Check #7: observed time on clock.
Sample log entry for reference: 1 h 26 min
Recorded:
3 h 23 min
